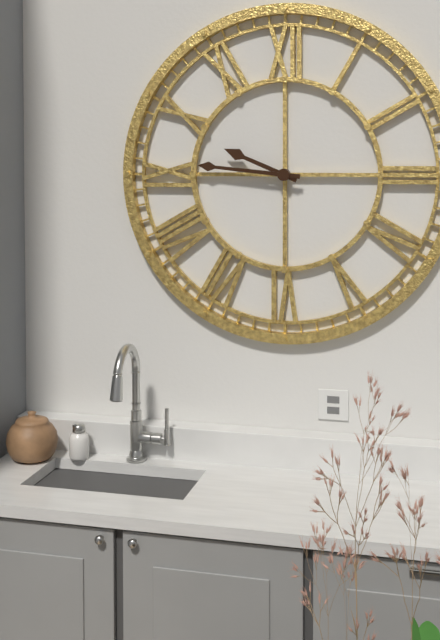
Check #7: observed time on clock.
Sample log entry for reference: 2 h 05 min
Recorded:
9 h 46 min
